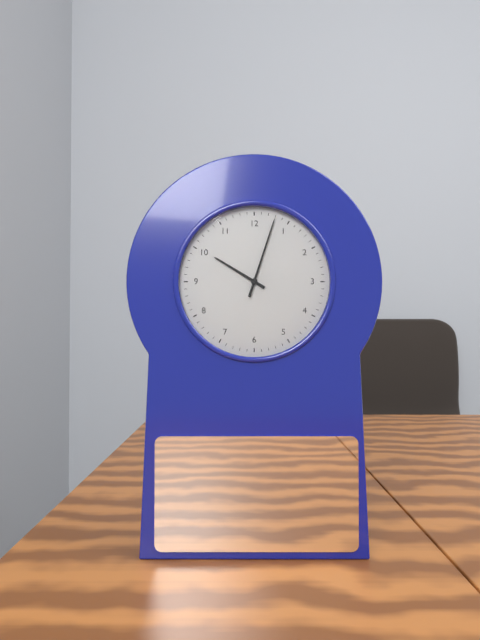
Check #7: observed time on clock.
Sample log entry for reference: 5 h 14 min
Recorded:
10 h 03 min
